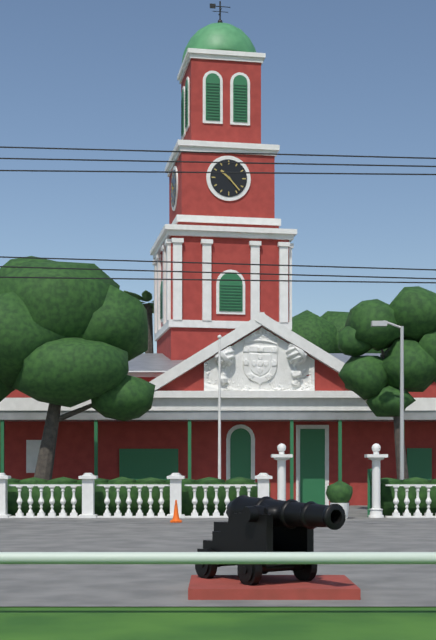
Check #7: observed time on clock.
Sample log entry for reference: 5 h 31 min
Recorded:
10 h 23 min
